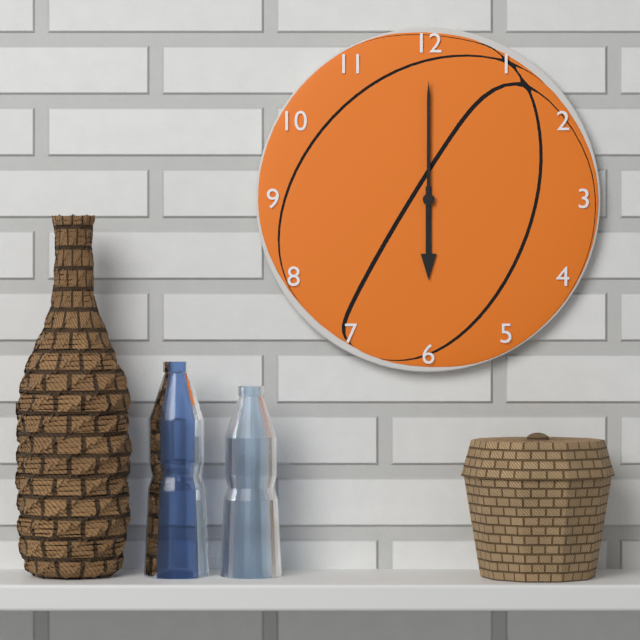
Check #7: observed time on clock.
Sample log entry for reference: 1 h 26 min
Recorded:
6 h 00 min
